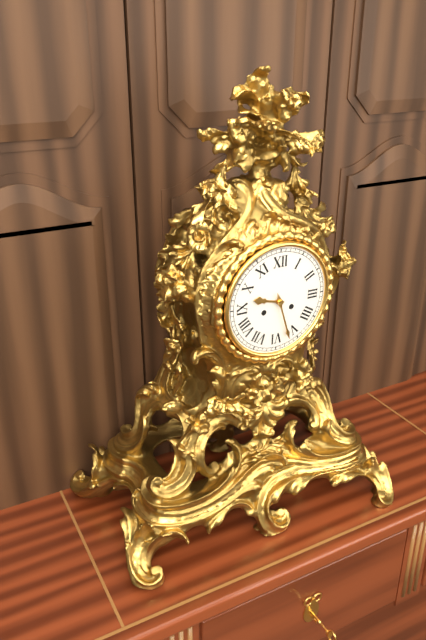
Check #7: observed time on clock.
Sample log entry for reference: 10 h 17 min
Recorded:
9 h 27 min
